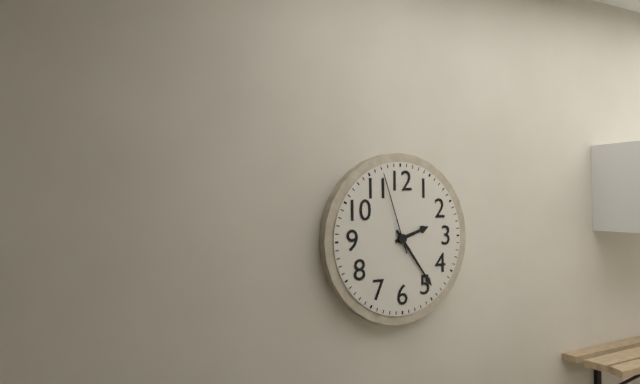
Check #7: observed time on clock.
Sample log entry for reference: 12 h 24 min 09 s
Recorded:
2 h 24 min 57 s
